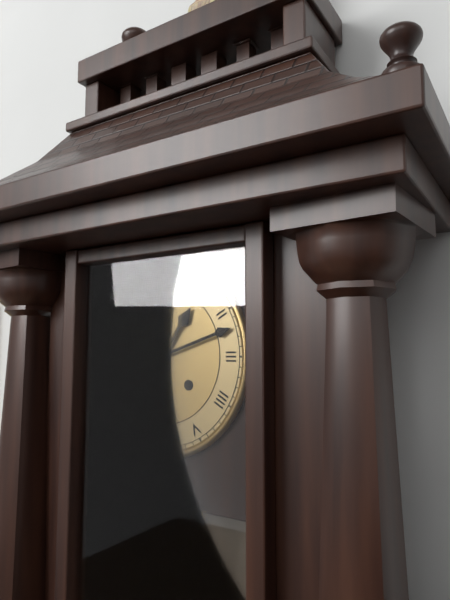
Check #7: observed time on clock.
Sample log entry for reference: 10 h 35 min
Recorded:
1 h 12 min
